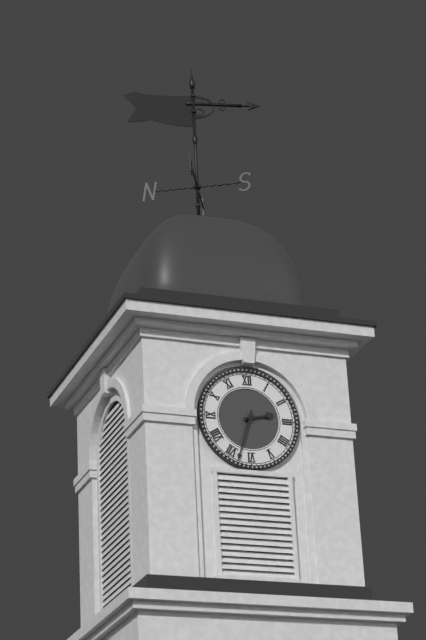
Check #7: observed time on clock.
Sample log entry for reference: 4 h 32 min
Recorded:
2 h 33 min
